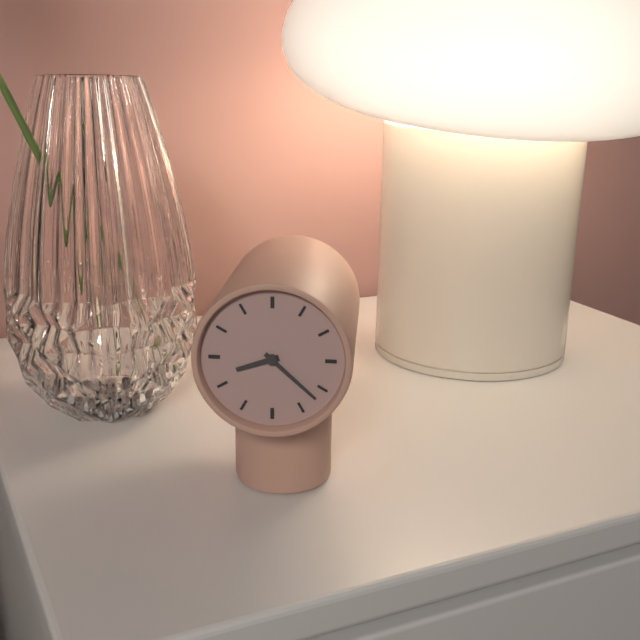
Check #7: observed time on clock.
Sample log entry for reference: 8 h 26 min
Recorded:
8 h 22 min
